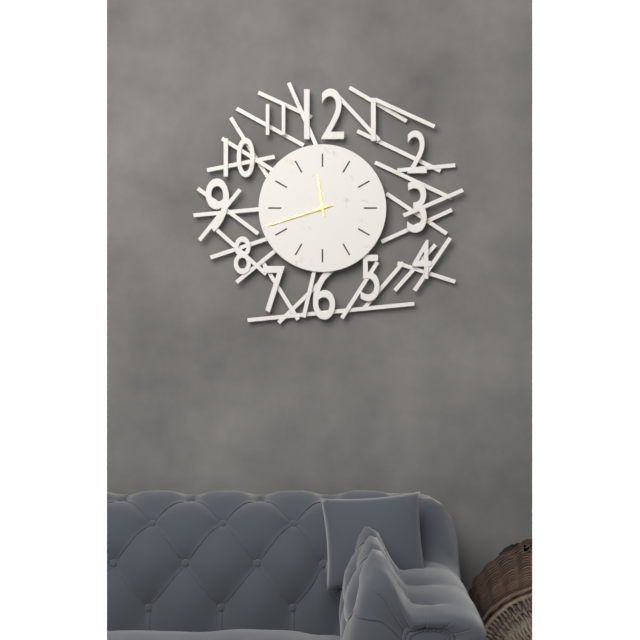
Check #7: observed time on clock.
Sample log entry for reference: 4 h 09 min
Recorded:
11 h 42 min
